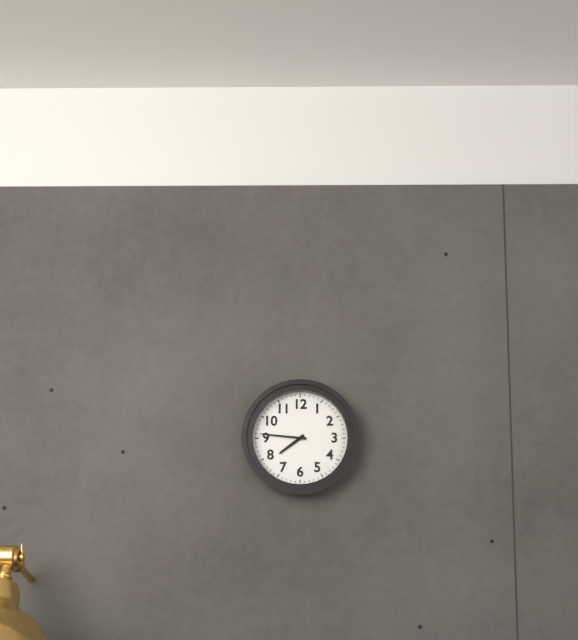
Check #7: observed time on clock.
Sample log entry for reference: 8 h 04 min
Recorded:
7 h 46 min
